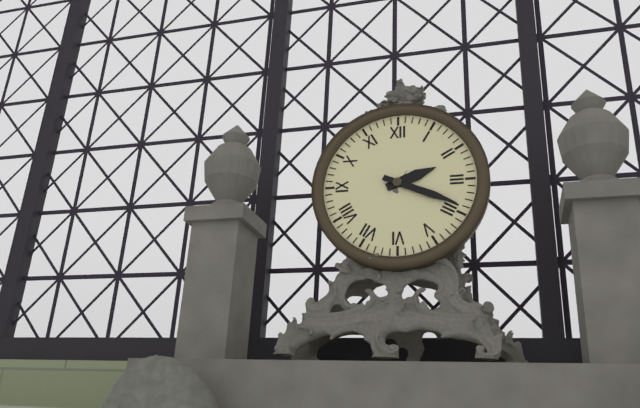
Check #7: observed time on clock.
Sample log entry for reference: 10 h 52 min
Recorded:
2 h 19 min
